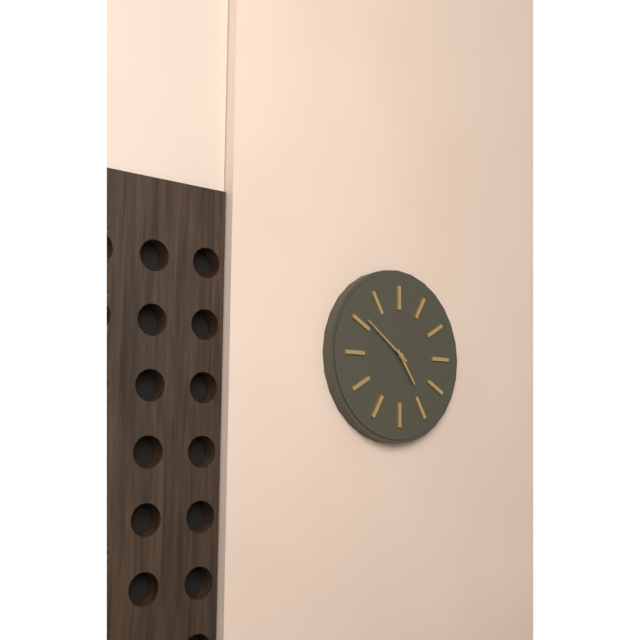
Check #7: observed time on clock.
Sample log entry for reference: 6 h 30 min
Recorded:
4 h 51 min
